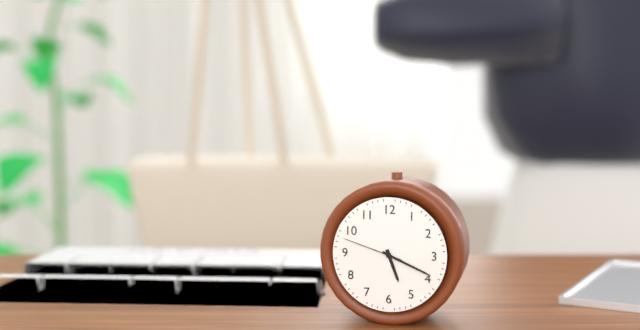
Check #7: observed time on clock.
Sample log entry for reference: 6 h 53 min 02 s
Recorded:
5 h 19 min 48 s
